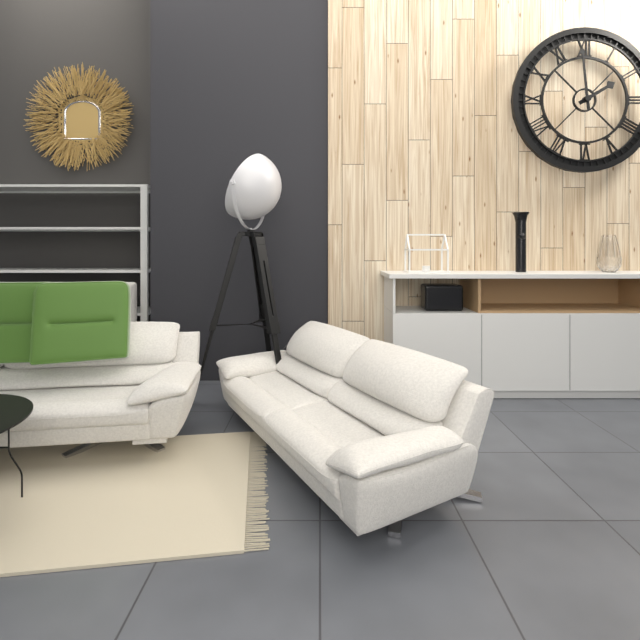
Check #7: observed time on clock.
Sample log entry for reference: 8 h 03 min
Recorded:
1 h 59 min
